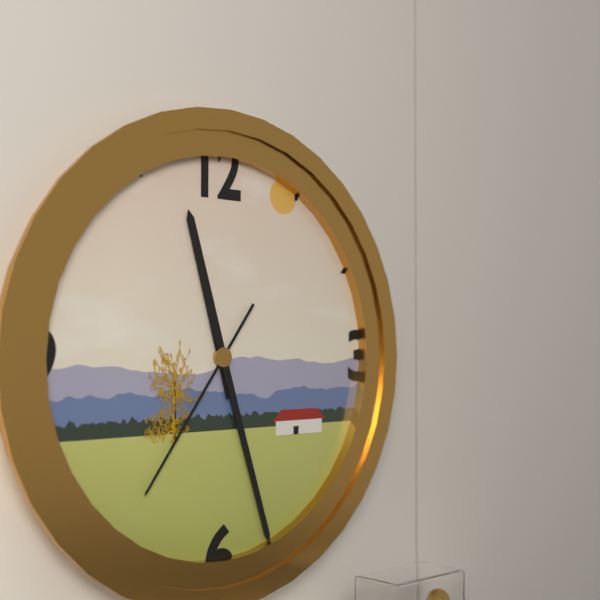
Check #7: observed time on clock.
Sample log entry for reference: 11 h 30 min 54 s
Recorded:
11 h 27 min 36 s
